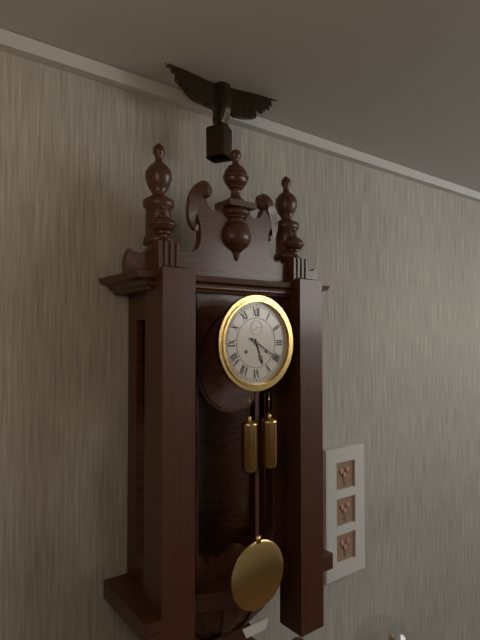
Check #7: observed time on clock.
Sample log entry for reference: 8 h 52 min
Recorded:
5 h 20 min
